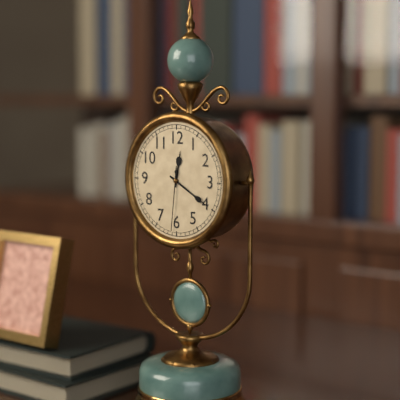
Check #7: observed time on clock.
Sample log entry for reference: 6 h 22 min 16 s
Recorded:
12 h 20 min 31 s
